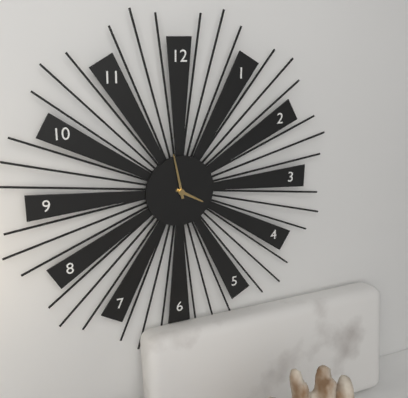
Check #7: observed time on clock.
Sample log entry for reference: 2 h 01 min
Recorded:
3 h 58 min
